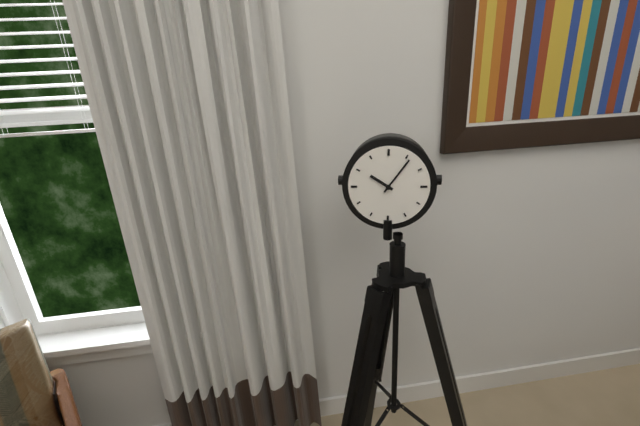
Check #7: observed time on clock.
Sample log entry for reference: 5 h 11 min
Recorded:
10 h 06 min
